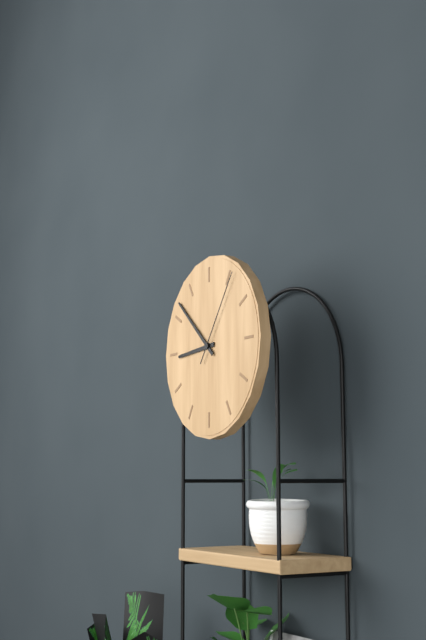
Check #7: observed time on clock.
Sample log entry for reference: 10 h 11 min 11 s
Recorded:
8 h 52 min 06 s
